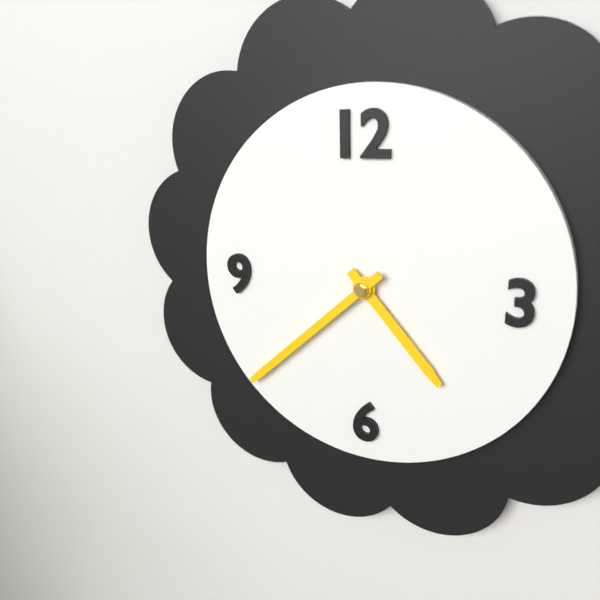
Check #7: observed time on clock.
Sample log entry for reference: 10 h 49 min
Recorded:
4 h 38 min
